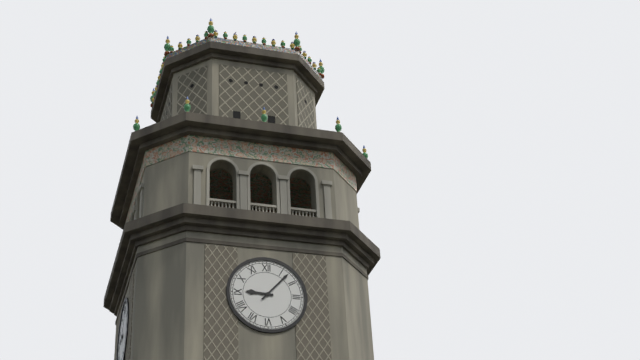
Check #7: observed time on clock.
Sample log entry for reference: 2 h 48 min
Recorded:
9 h 07 min
